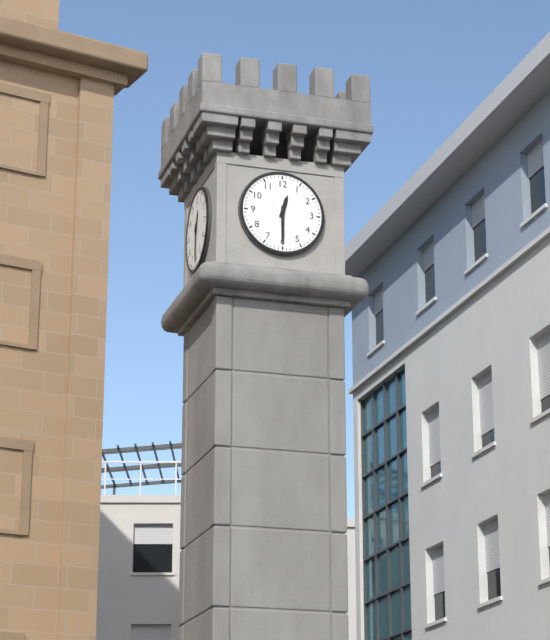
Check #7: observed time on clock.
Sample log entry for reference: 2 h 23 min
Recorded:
12 h 30 min
